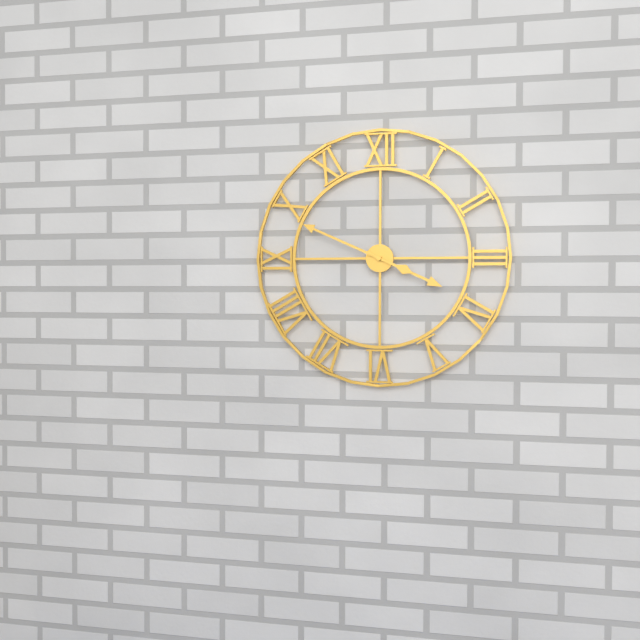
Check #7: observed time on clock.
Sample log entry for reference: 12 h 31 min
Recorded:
3 h 49 min
